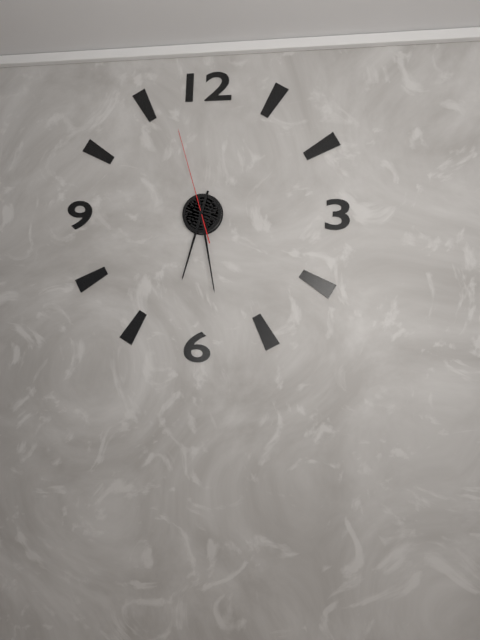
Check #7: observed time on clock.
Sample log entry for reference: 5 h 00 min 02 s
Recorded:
6 h 28 min 57 s
